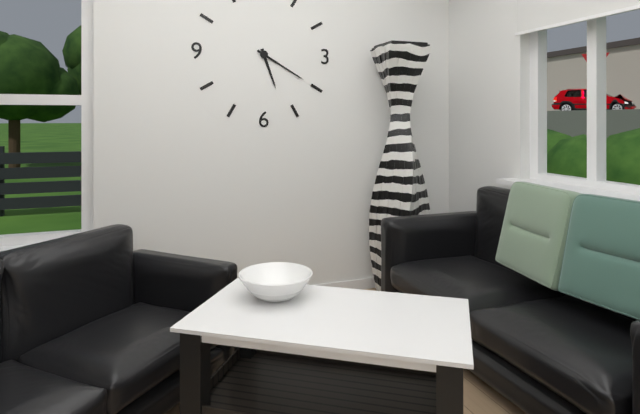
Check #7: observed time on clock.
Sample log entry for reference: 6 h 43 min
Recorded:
5 h 20 min
